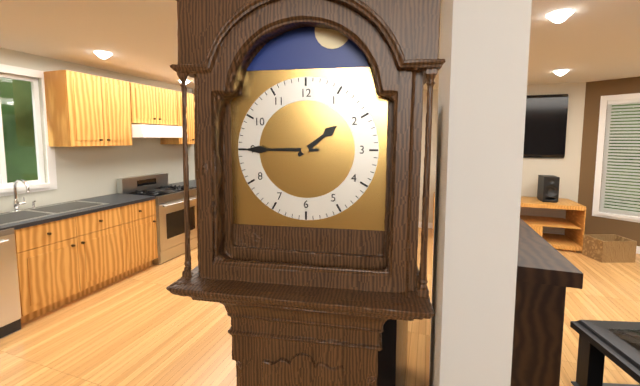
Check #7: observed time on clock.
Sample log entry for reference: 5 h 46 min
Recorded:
1 h 45 min
